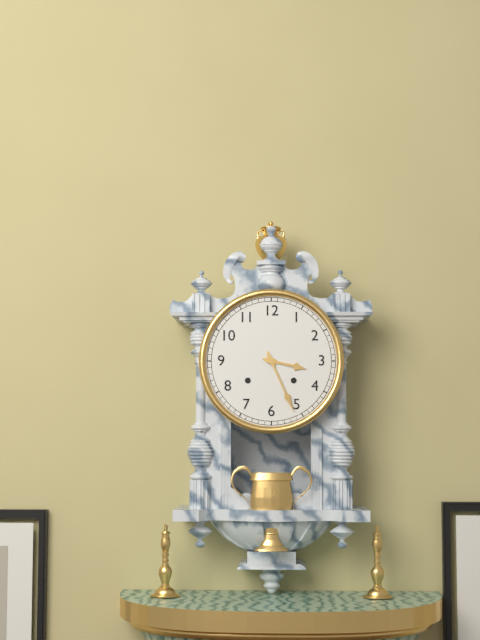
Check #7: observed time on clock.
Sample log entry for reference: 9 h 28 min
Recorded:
3 h 26 min
